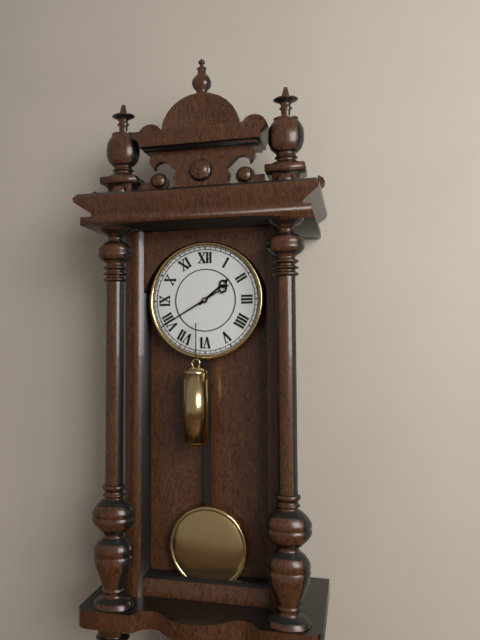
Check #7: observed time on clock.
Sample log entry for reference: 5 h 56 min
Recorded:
1 h 40 min
